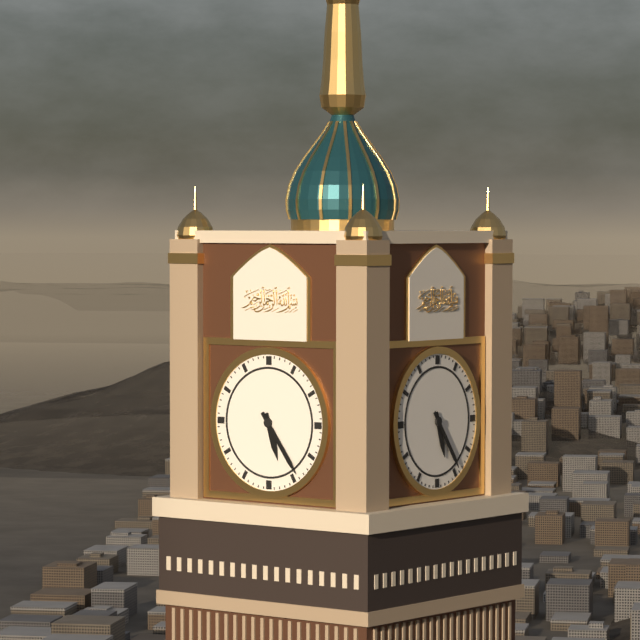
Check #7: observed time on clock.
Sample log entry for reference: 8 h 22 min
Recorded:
5 h 24 min
